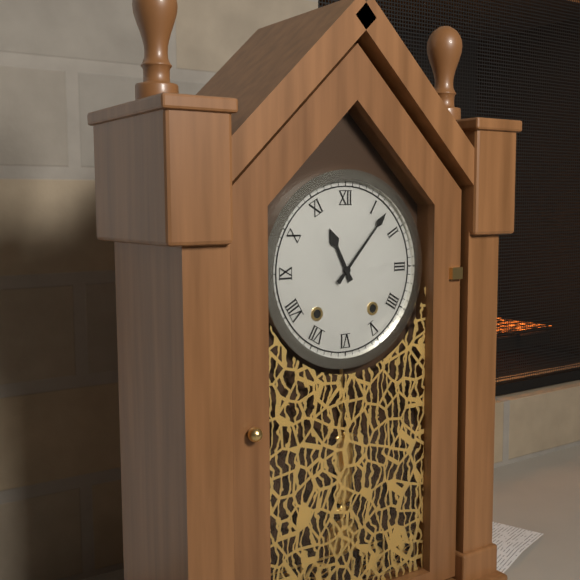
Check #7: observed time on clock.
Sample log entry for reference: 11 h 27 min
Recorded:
11 h 07 min
